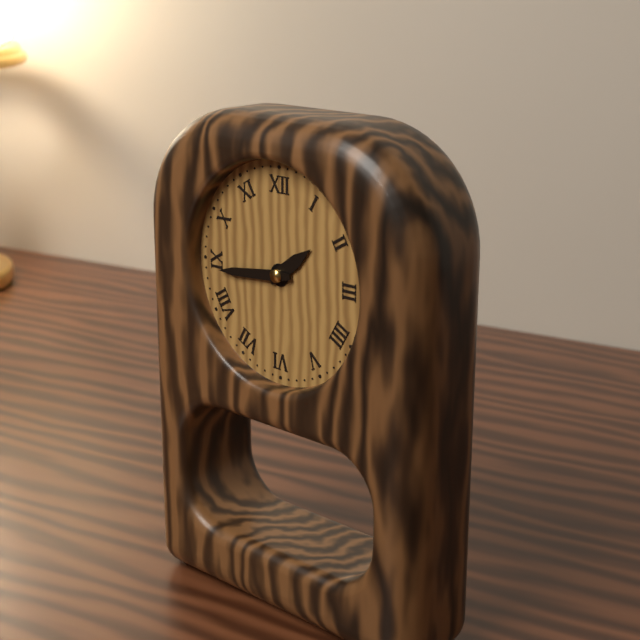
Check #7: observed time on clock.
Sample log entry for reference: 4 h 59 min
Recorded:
1 h 44 min
